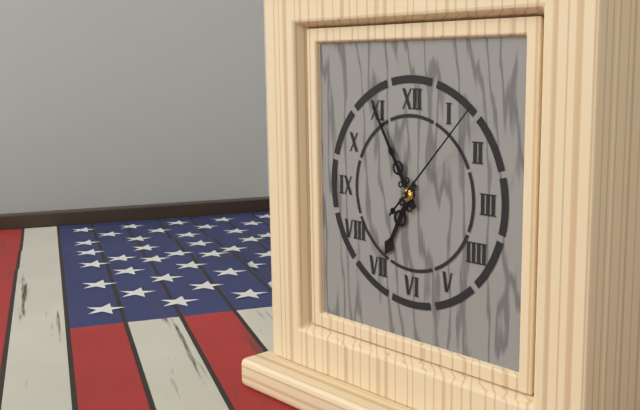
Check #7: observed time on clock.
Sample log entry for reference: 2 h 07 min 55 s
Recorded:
6 h 55 min 07 s
